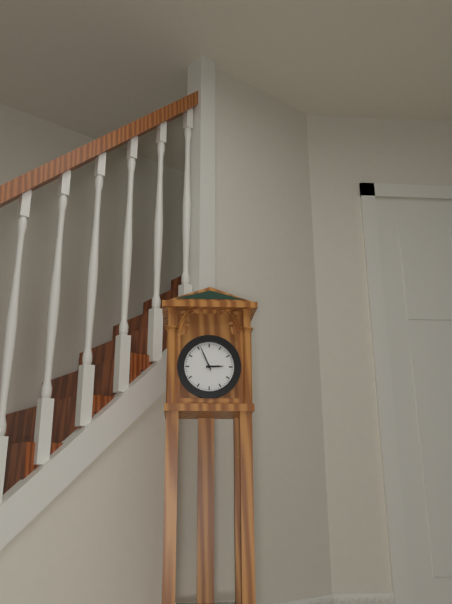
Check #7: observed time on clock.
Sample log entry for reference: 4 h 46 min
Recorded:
2 h 56 min
